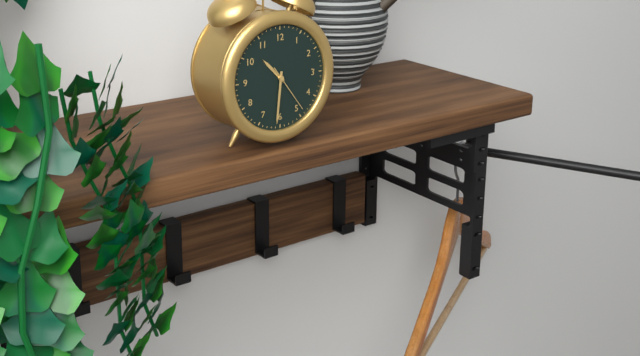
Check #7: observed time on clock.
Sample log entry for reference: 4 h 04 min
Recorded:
10 h 31 min
